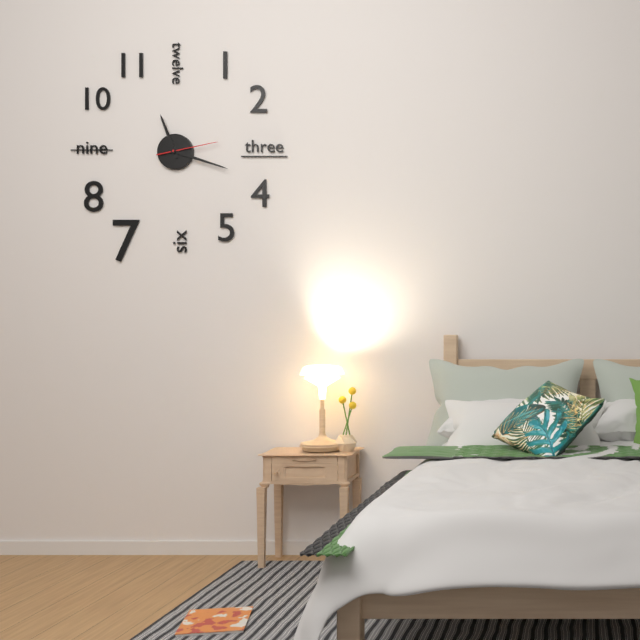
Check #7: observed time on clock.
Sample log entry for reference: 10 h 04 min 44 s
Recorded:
11 h 18 min 13 s
